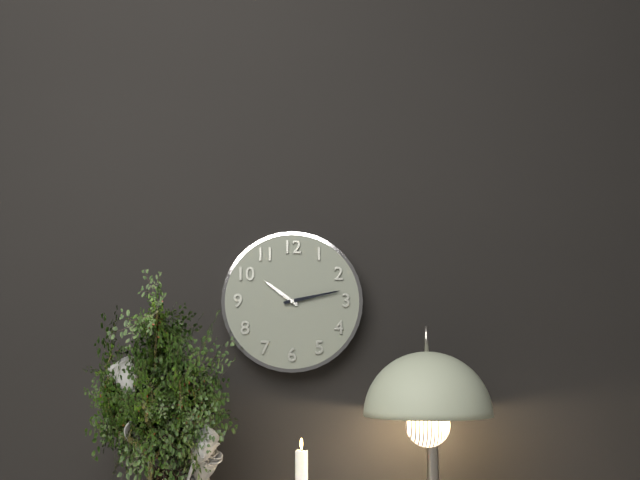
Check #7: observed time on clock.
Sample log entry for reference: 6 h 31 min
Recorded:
10 h 13 min
